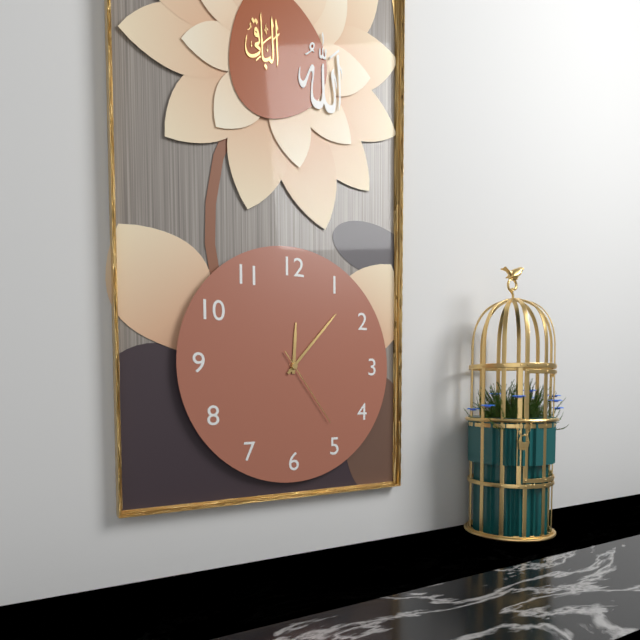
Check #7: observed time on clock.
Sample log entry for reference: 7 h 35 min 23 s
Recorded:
12 h 07 min 24 s
